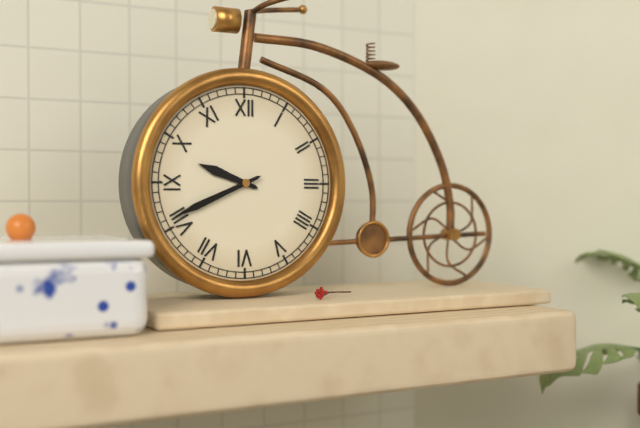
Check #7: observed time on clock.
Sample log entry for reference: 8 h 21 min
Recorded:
9 h 41 min
